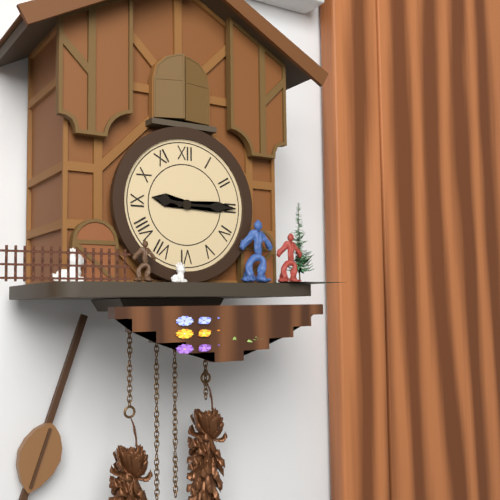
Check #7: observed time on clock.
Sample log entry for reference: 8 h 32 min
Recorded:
9 h 15 min
